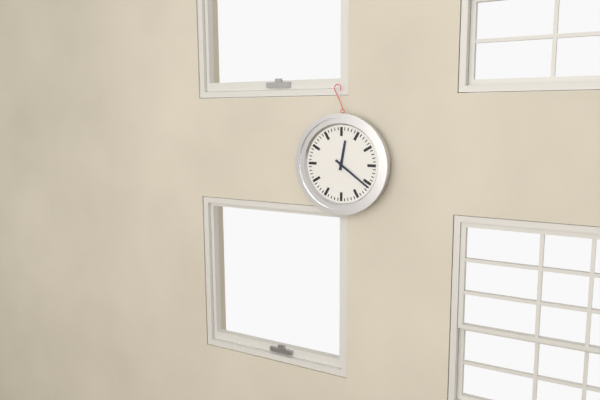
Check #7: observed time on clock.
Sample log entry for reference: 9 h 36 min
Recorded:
12 h 21 min
